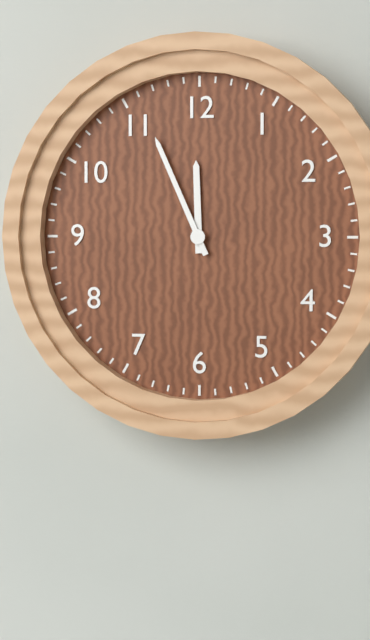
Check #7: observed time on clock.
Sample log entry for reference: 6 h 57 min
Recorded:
11 h 56 min
